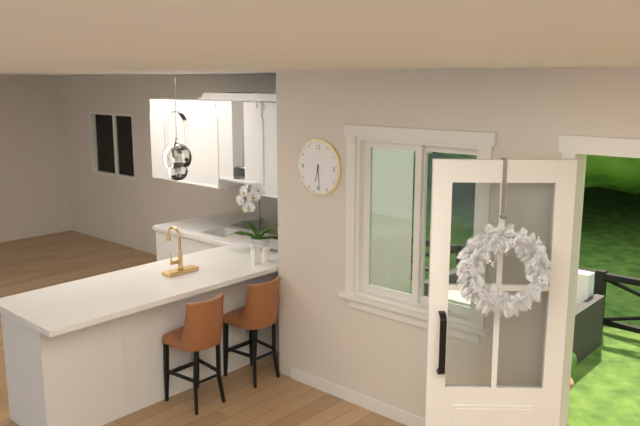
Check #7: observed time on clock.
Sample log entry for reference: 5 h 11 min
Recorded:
6 h 29 min
